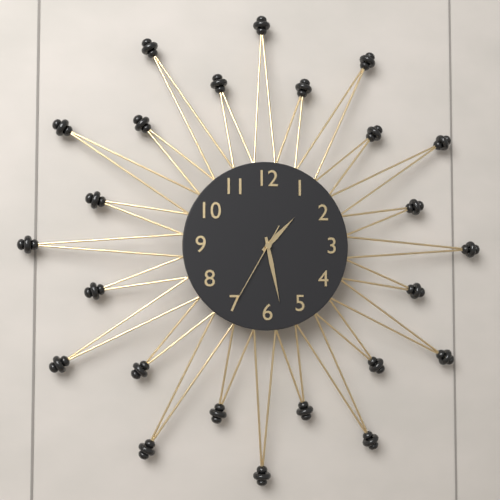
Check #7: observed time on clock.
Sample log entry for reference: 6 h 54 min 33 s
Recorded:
1 h 28 min 35 s
